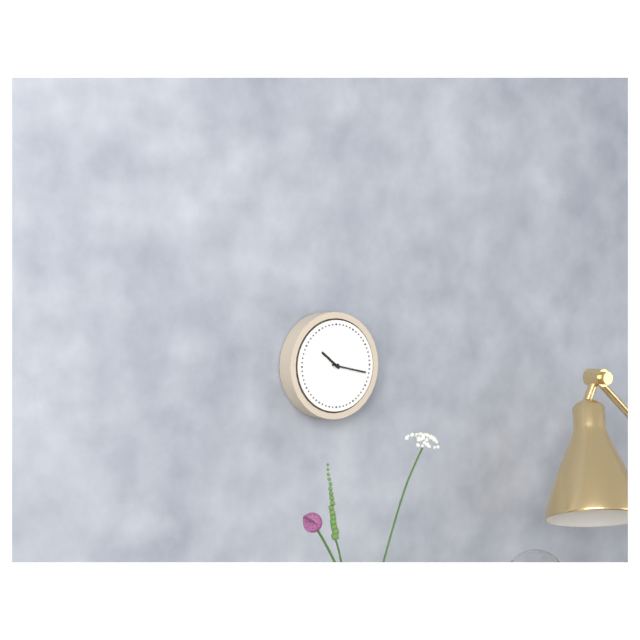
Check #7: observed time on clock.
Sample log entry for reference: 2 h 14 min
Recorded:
10 h 17 min
